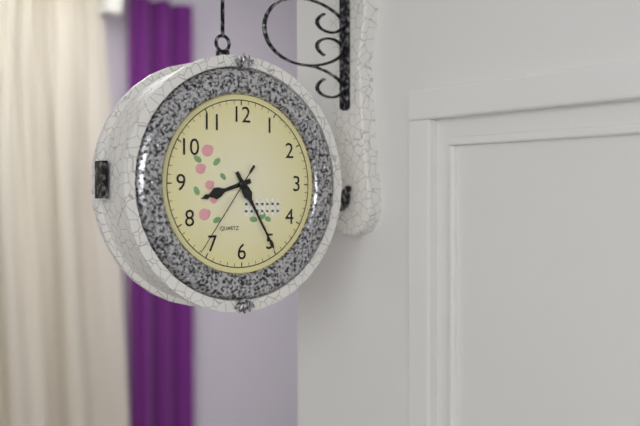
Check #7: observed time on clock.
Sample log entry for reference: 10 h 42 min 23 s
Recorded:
8 h 25 min 36 s
